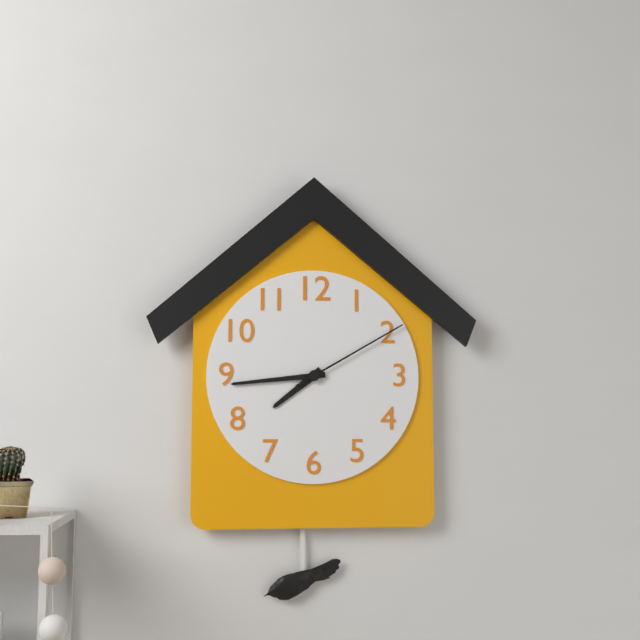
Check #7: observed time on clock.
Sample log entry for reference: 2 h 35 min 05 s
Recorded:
7 h 44 min 10 s
